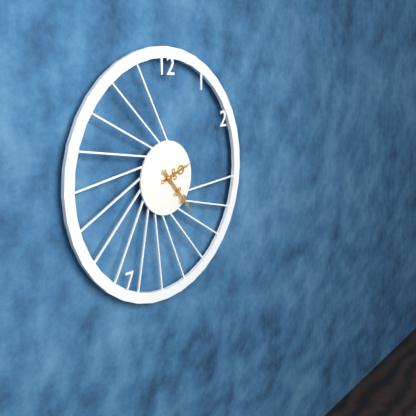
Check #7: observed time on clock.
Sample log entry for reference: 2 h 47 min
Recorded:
2 h 23 min
